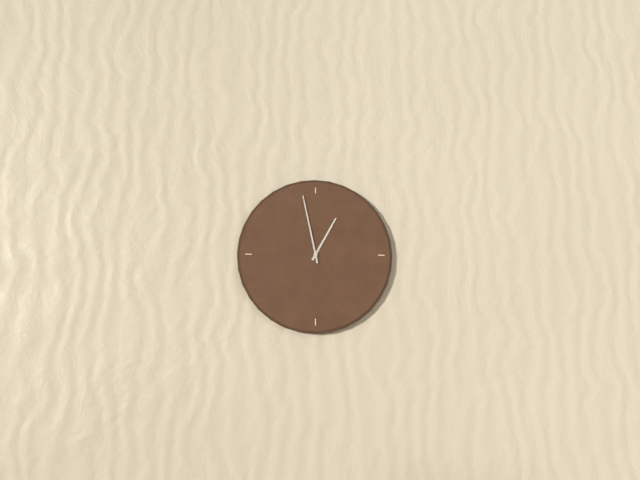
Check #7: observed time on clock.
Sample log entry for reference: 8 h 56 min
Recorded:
12 h 58 min
